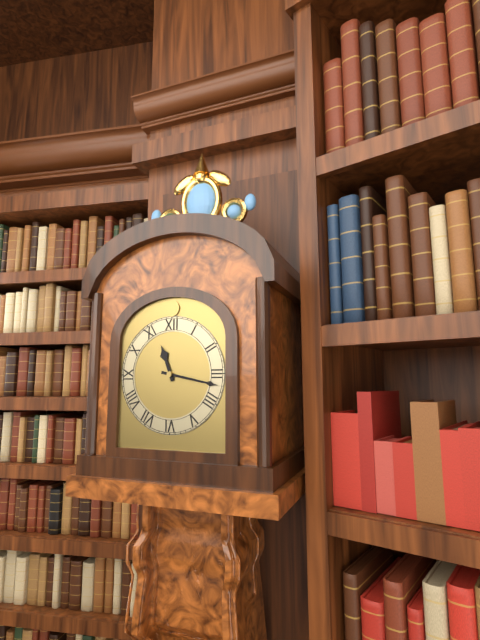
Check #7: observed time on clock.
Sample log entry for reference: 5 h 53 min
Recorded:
11 h 17 min
